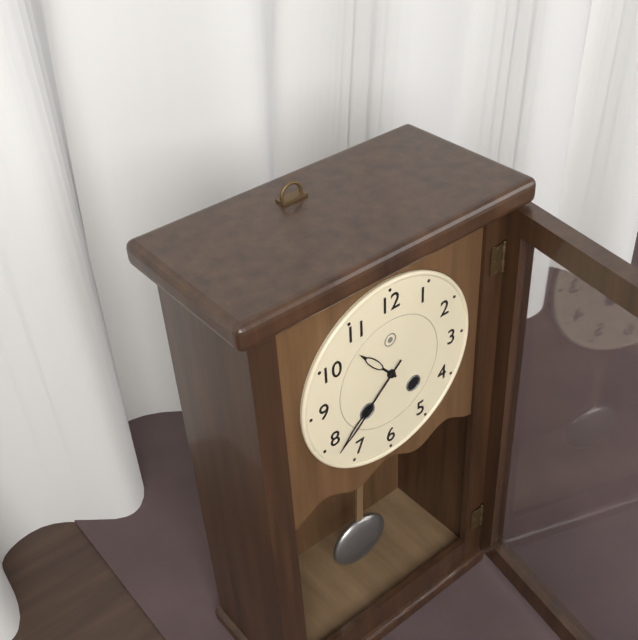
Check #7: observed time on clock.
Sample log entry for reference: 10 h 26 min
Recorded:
10 h 38 min
